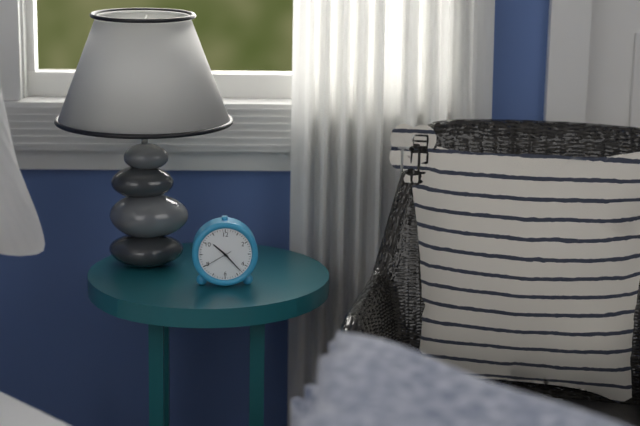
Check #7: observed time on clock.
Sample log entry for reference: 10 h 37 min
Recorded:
10 h 23 min
